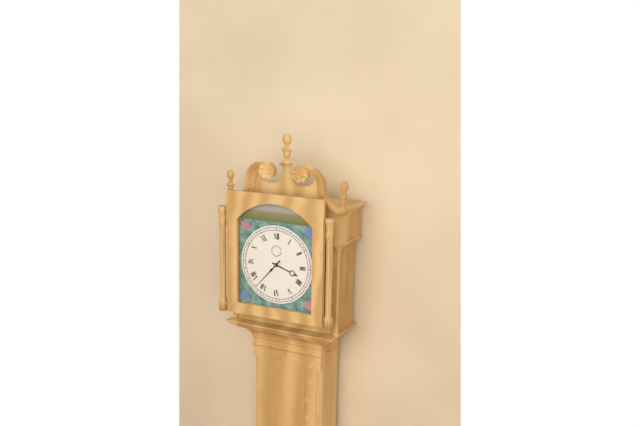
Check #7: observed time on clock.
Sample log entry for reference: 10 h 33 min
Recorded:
3 h 37 min
